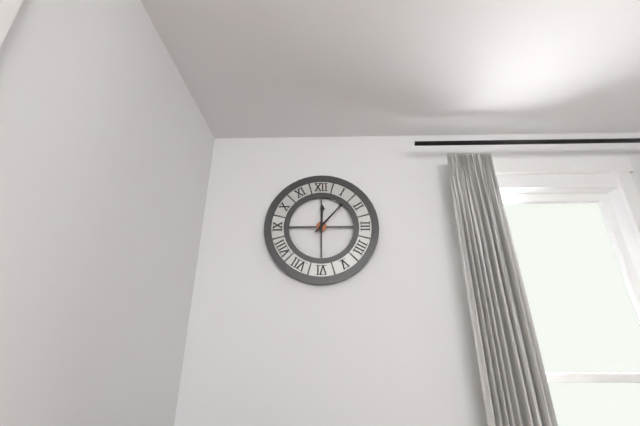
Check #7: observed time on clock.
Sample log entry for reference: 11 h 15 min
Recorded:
12 h 07 min
